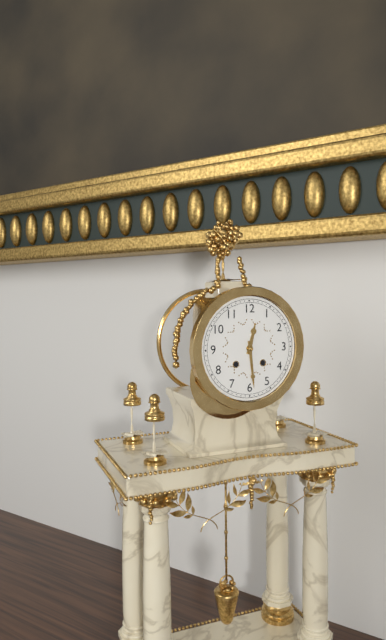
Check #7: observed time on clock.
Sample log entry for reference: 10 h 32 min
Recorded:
12 h 29 min
